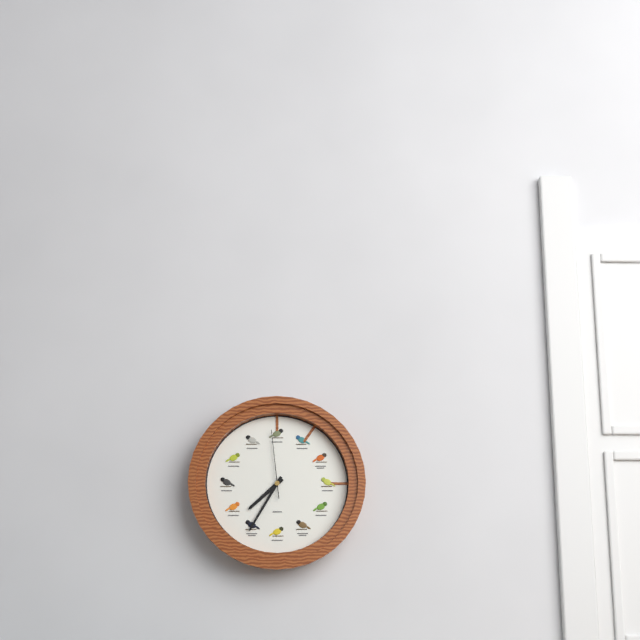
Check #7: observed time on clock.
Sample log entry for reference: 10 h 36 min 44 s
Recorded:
7 h 35 min 59 s
